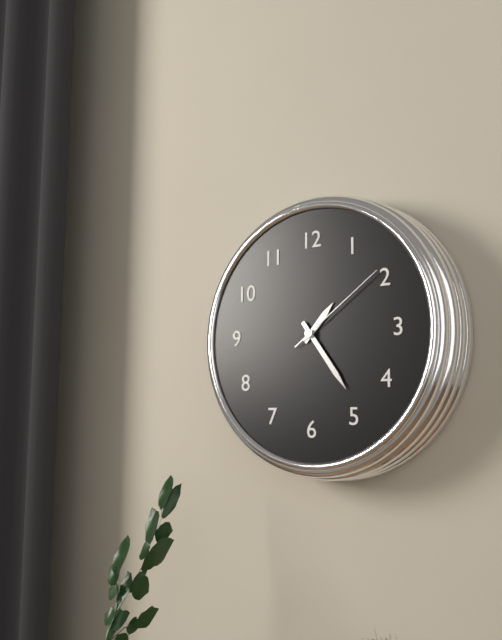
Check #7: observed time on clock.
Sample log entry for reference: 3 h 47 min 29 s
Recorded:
1 h 24 min 09 s
